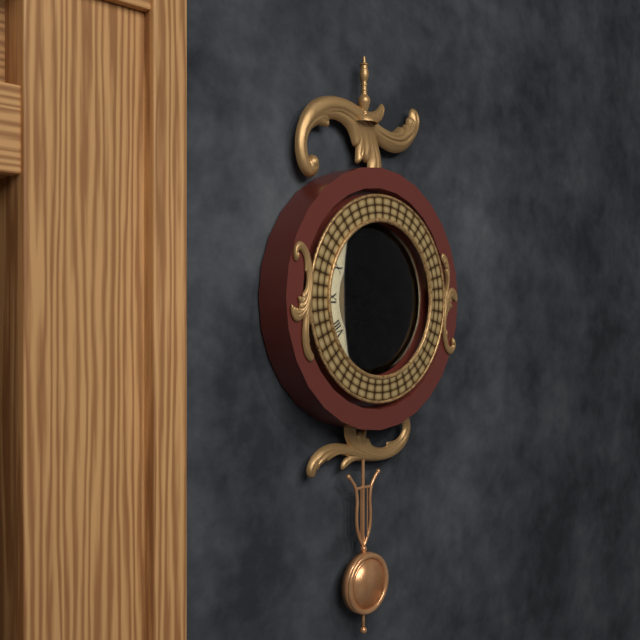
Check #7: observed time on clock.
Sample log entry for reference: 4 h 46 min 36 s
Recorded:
2 h 09 min 09 s
